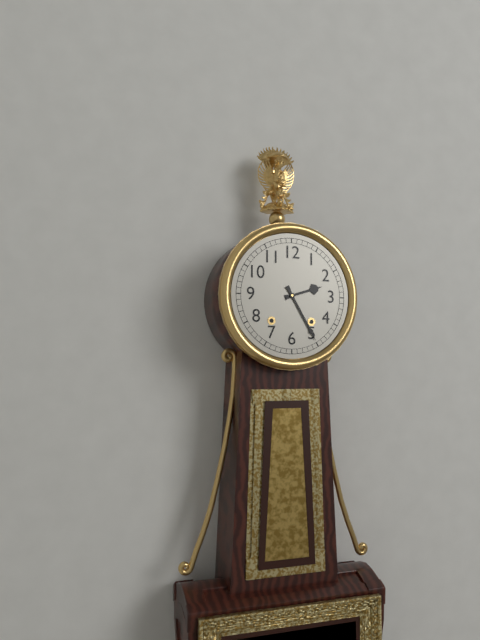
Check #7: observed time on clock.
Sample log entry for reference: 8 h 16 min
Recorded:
2 h 25 min
